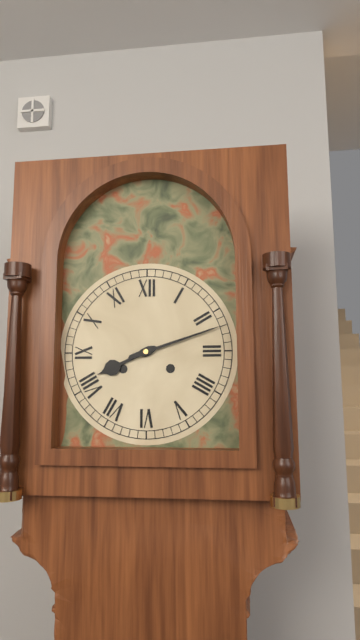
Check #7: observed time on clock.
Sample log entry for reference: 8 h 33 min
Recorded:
8 h 12 min
